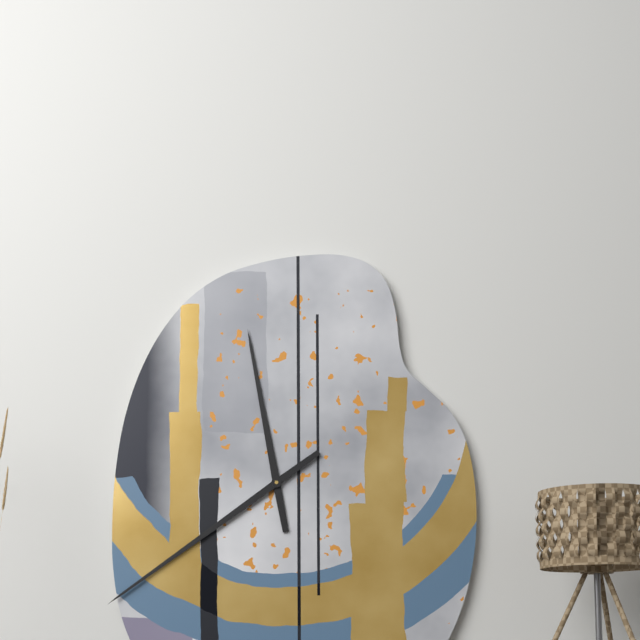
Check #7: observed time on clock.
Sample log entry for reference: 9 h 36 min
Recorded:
11 h 39 min
